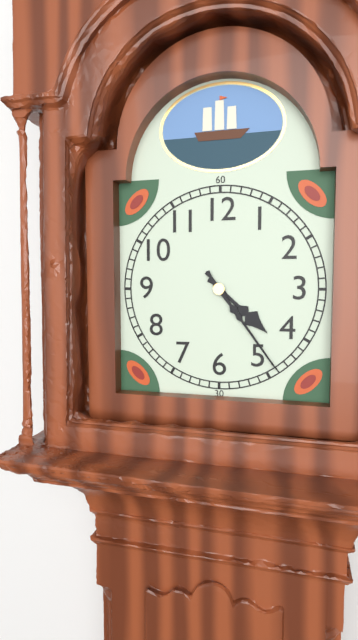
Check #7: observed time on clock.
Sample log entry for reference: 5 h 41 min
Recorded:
4 h 24 min
